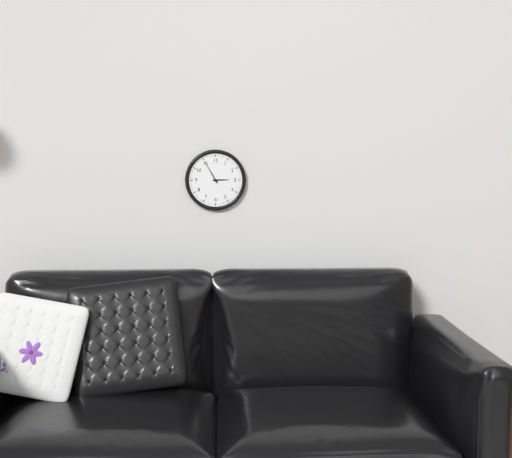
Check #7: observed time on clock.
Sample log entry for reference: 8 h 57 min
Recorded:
2 h 55 min
